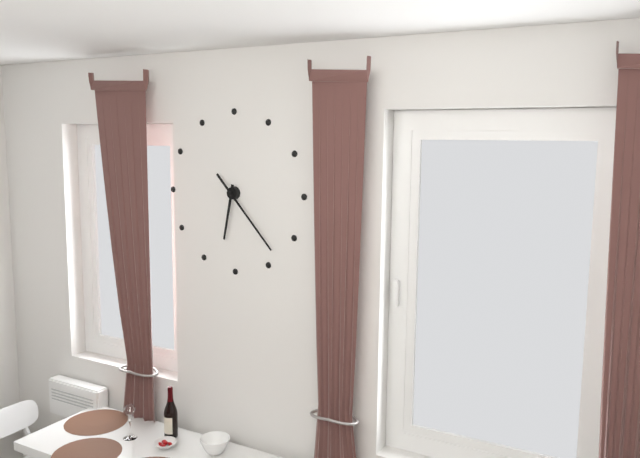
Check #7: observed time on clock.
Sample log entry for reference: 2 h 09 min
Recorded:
6 h 23 min
